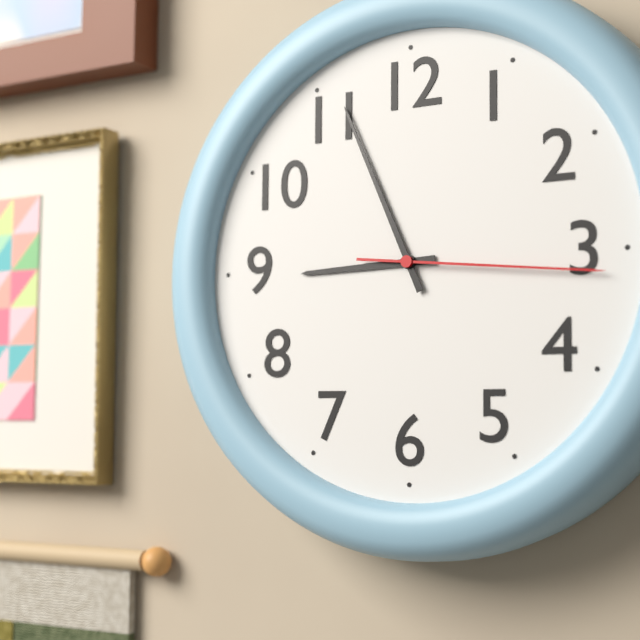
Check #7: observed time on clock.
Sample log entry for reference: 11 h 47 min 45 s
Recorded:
8 h 56 min 16 s
